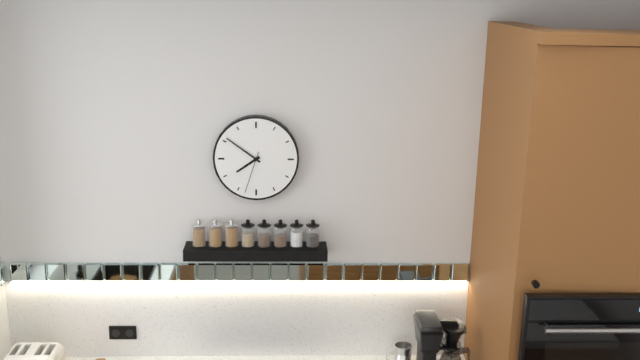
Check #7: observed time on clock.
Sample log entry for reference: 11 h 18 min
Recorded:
7 h 51 min
